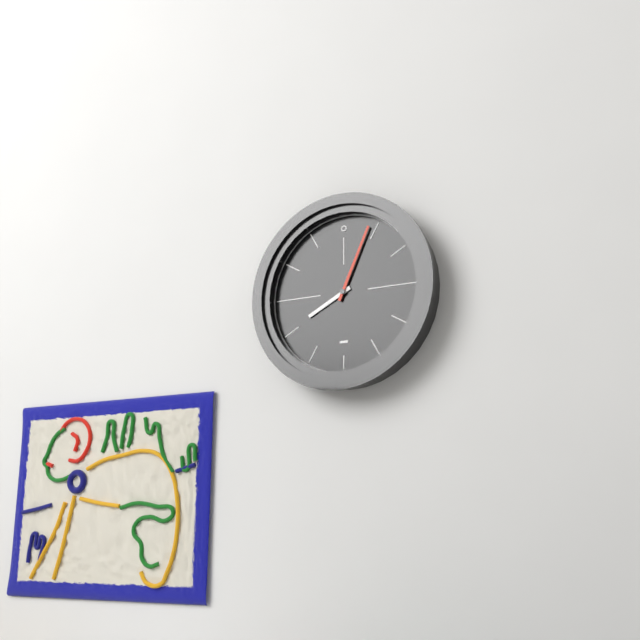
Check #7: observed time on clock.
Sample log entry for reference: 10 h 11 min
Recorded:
8 h 04 min
